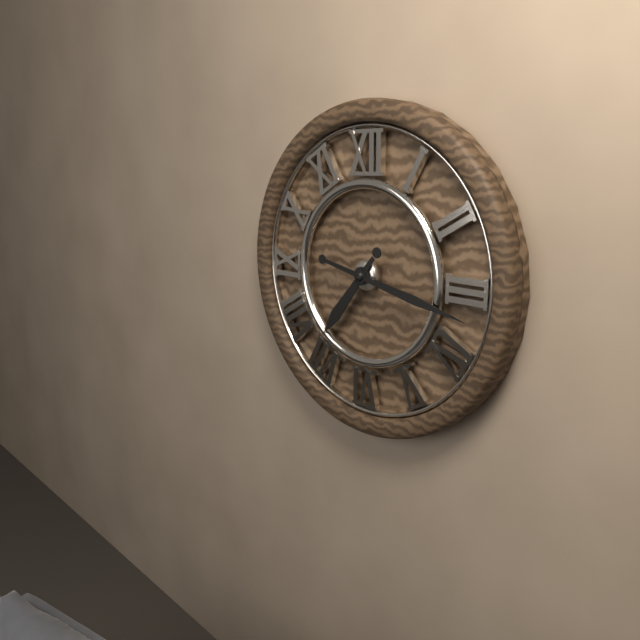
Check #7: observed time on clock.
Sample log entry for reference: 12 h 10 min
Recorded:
7 h 17 min
